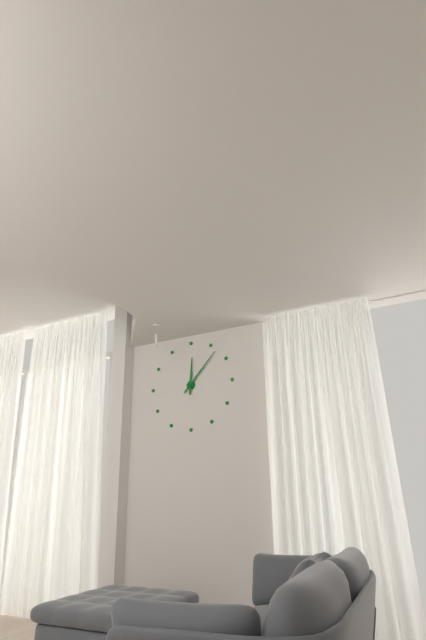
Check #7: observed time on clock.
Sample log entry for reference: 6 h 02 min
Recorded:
12 h 07 min
